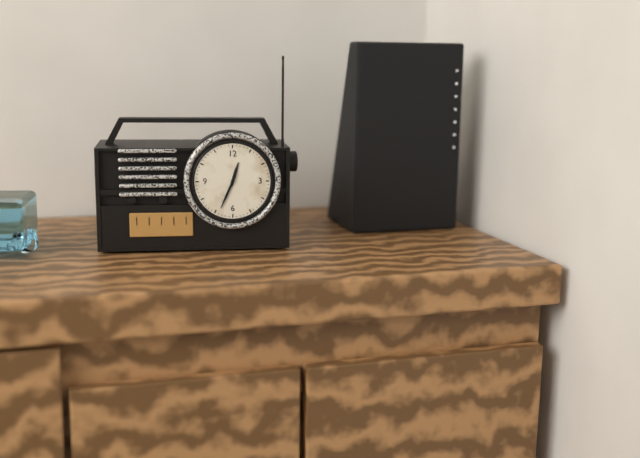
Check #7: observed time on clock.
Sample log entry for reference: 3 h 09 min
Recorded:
12 h 34 min
